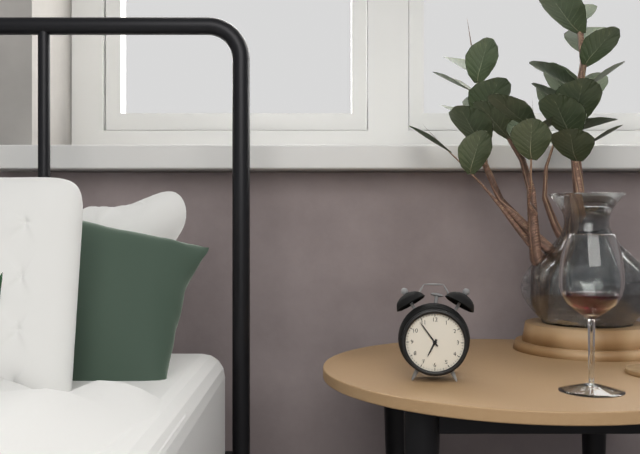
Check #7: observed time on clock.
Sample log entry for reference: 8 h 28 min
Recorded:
6 h 54 min
